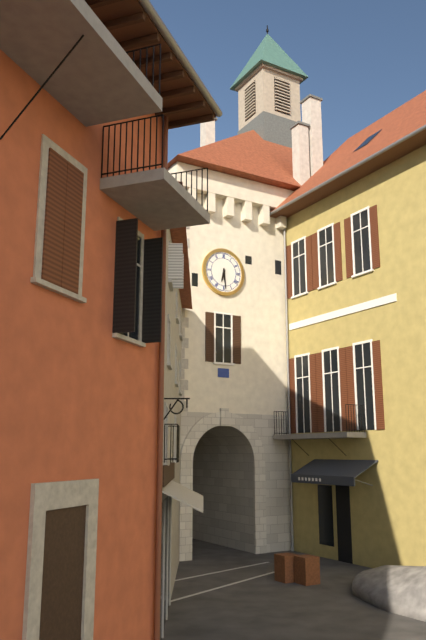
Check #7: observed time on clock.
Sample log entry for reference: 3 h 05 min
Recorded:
6 h 29 min
